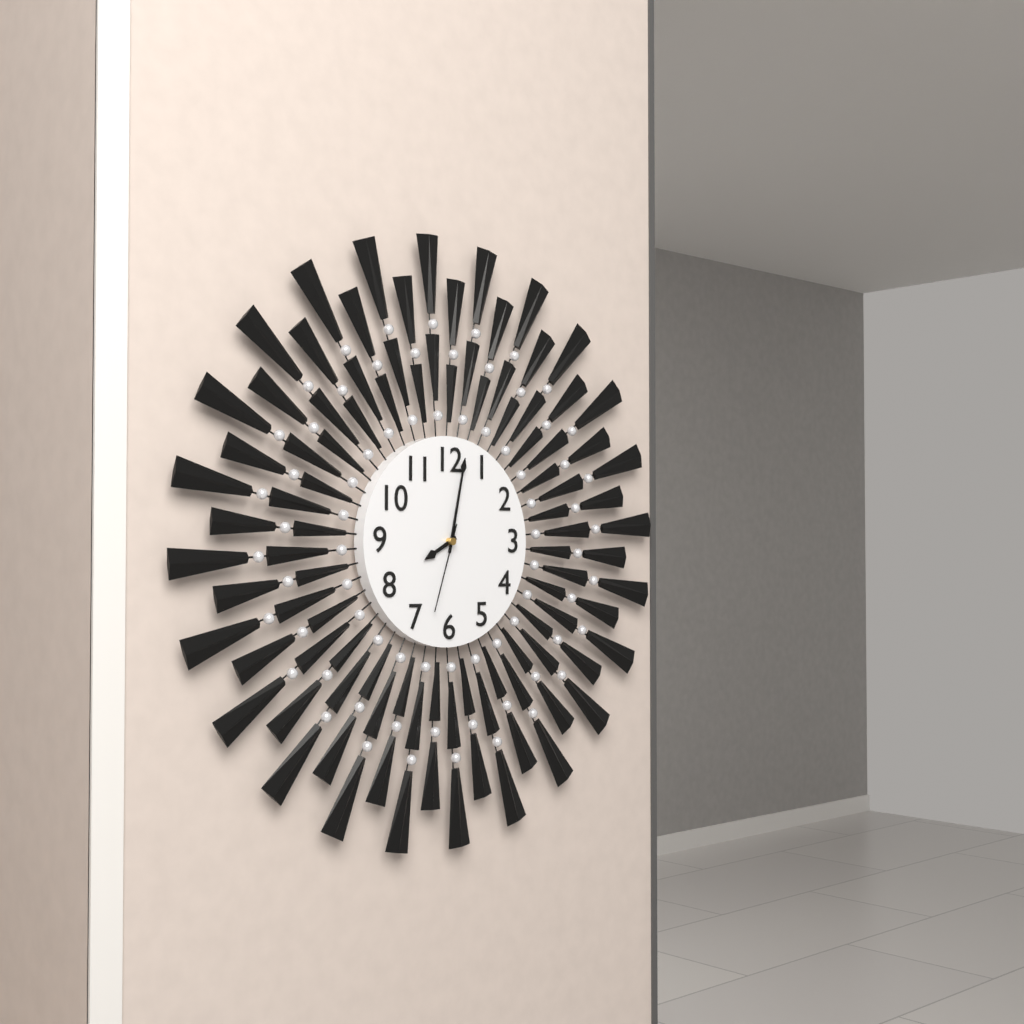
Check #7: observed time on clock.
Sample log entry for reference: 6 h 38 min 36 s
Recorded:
8 h 02 min 33 s
